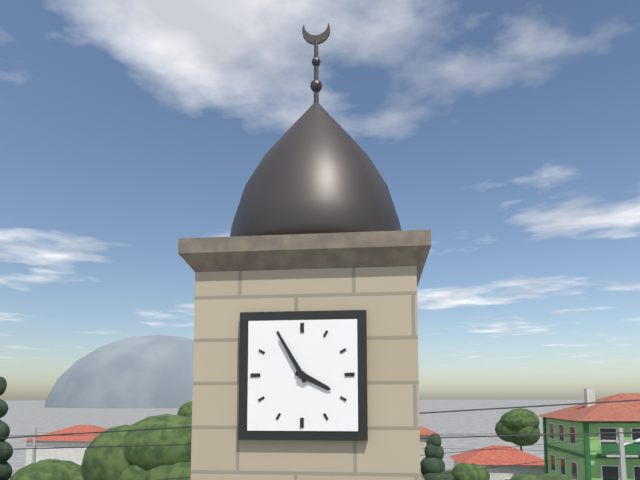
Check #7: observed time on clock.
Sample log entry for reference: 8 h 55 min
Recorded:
3 h 55 min
